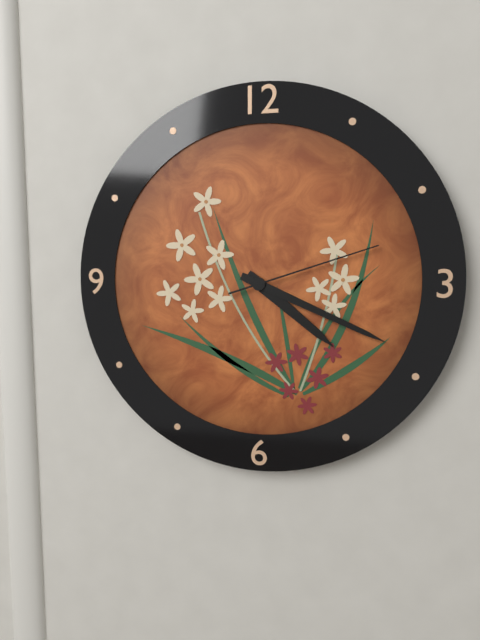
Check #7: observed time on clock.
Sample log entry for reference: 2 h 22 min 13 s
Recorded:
4 h 19 min 12 s
